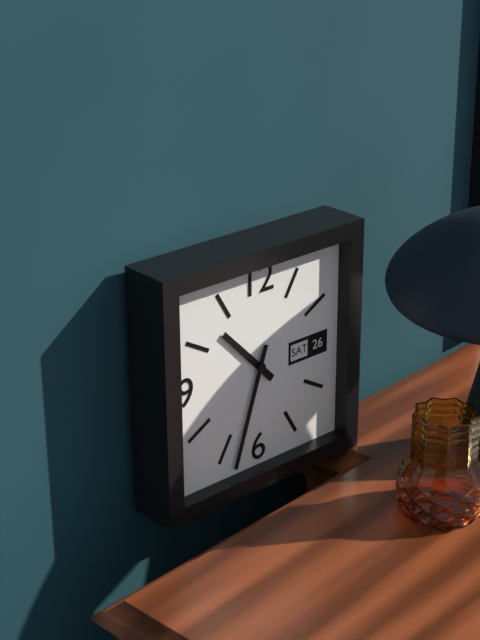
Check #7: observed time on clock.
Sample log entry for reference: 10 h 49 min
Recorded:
10 h 33 min
